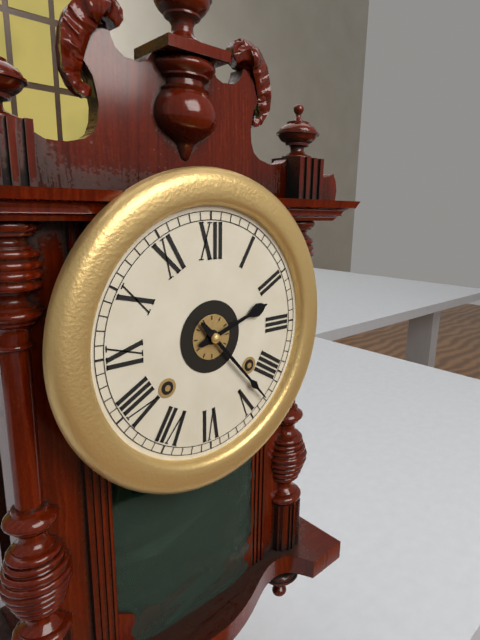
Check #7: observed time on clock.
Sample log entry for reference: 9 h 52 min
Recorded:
2 h 23 min
